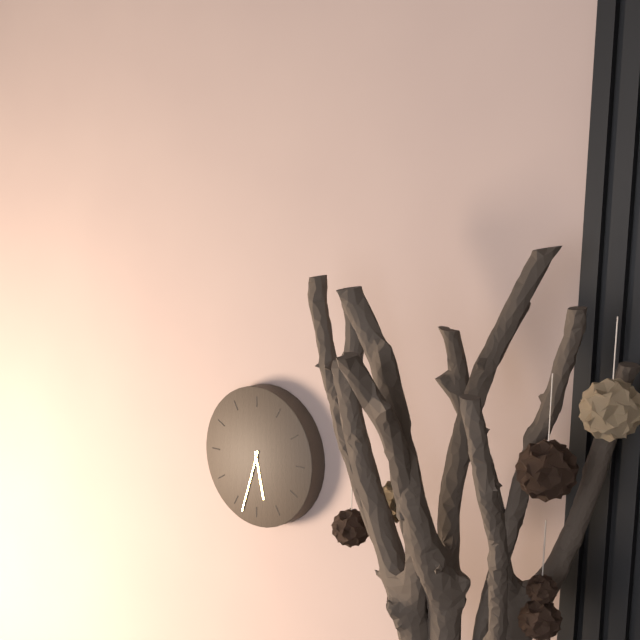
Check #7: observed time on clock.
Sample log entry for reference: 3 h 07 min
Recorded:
5 h 33 min
